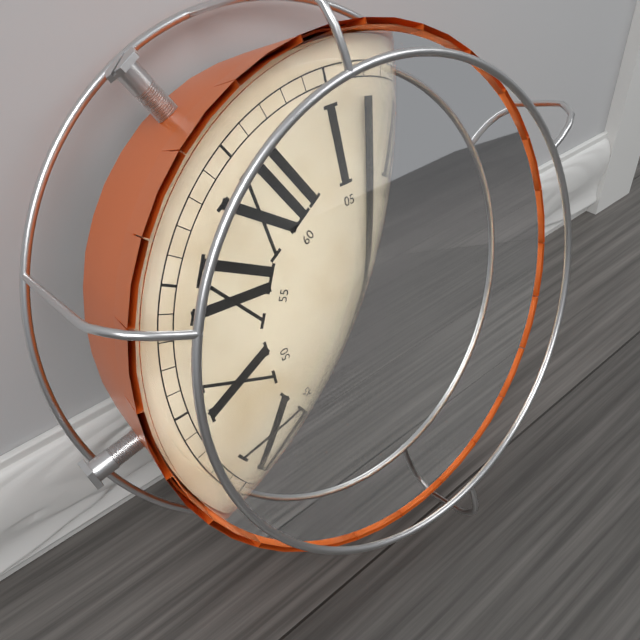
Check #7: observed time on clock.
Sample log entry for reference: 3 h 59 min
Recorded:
8 h 07 min
